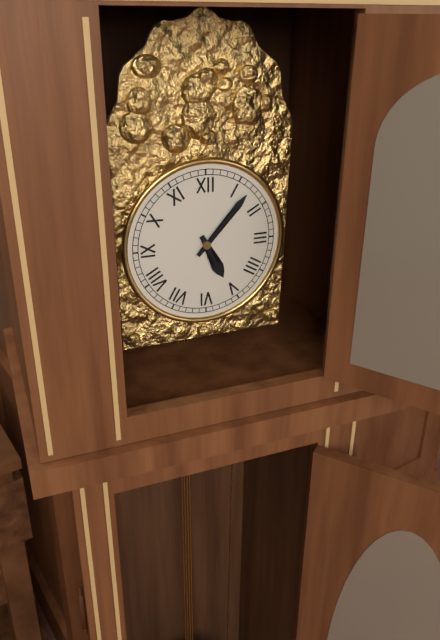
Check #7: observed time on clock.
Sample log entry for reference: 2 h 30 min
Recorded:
5 h 07 min
